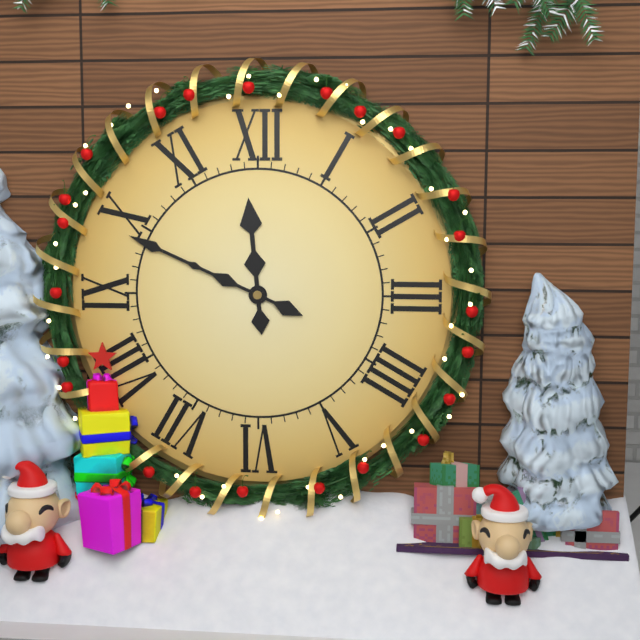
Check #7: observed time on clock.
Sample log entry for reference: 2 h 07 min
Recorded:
11 h 49 min
